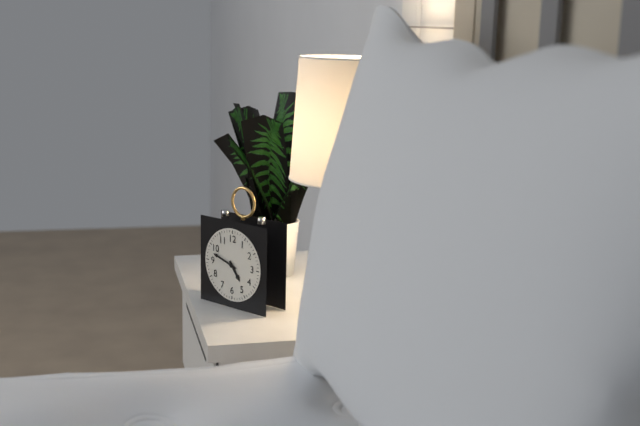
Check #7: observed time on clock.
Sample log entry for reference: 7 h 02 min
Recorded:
4 h 48 min
